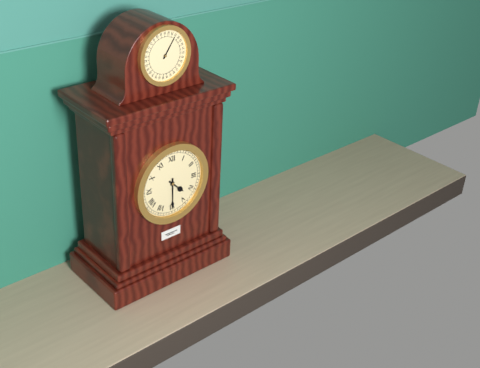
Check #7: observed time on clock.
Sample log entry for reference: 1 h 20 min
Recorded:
4 h 30 min
